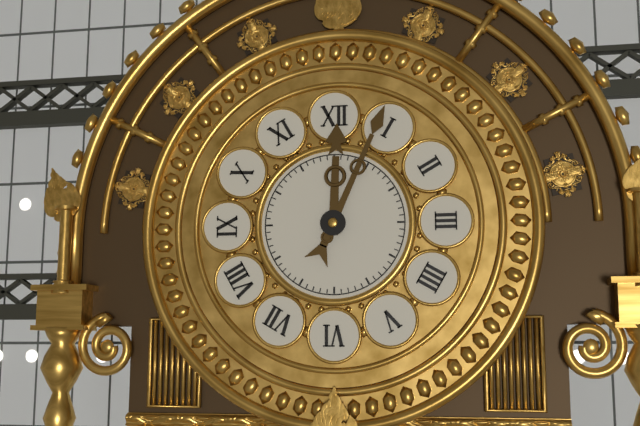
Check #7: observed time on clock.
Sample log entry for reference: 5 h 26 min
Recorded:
12 h 04 min
